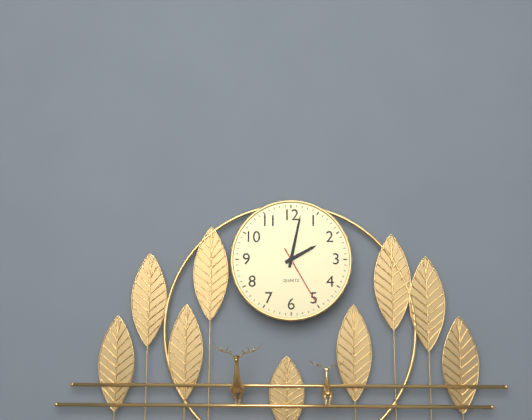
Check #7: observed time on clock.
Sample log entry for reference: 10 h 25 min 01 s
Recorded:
2 h 02 min 25 s
